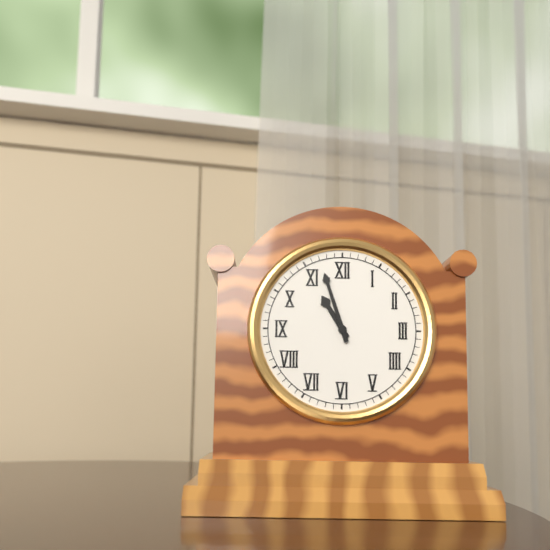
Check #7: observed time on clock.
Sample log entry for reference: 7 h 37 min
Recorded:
10 h 57 min
